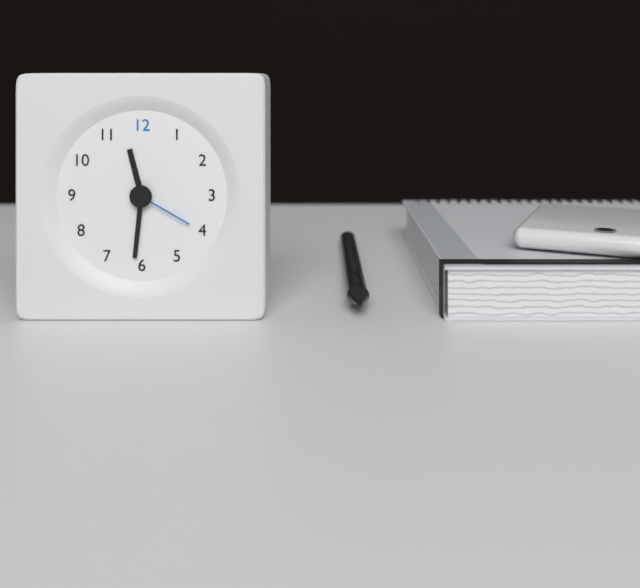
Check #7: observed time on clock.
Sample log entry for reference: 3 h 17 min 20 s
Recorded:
11 h 31 min 20 s
